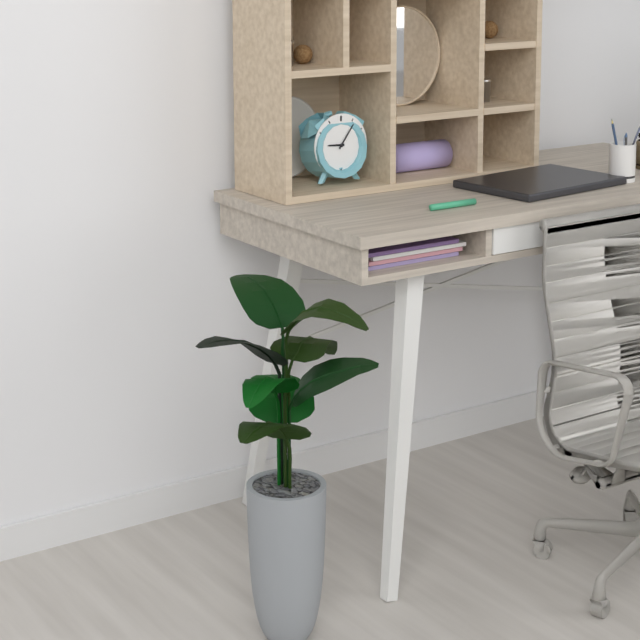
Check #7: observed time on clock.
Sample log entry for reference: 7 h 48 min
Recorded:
9 h 06 min
